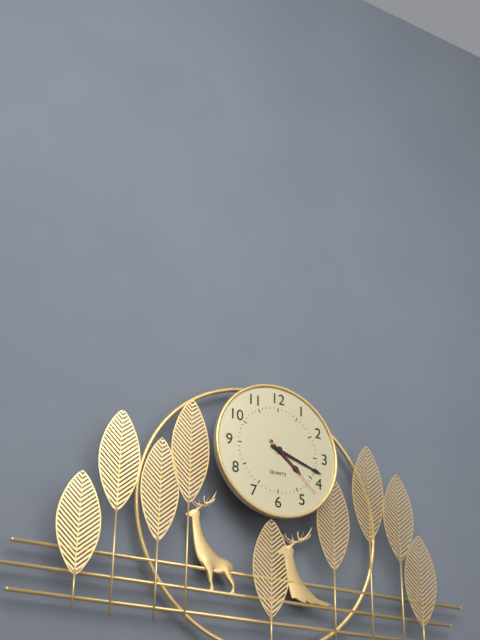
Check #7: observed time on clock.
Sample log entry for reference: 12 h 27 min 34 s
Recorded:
4 h 18 min 22 s
